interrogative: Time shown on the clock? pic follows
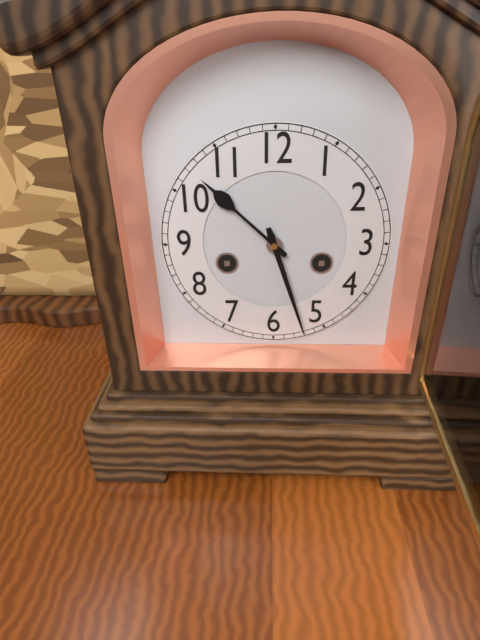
10:27
